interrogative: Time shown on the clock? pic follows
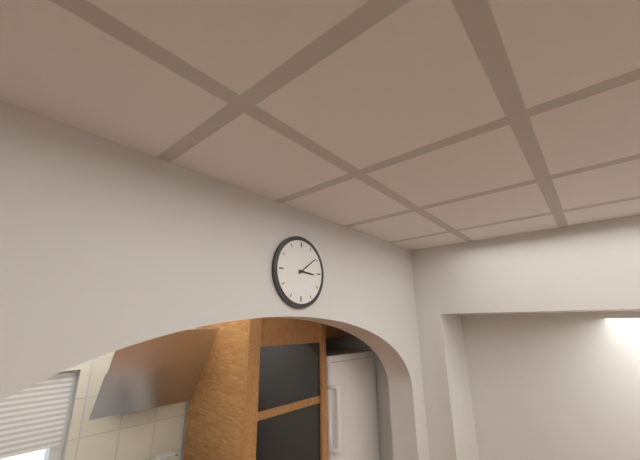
3:09
